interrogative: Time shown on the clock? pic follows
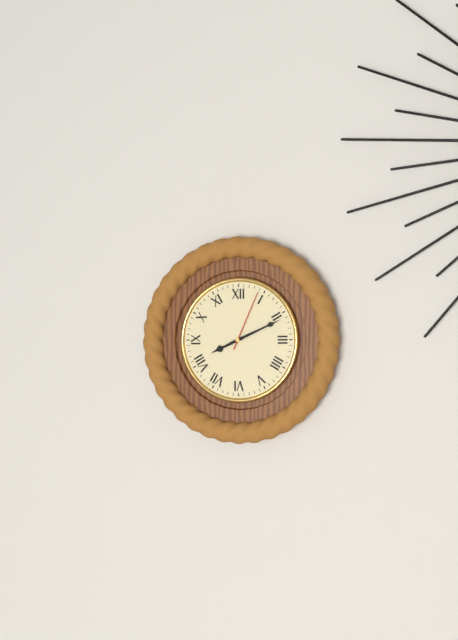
8:11:04
